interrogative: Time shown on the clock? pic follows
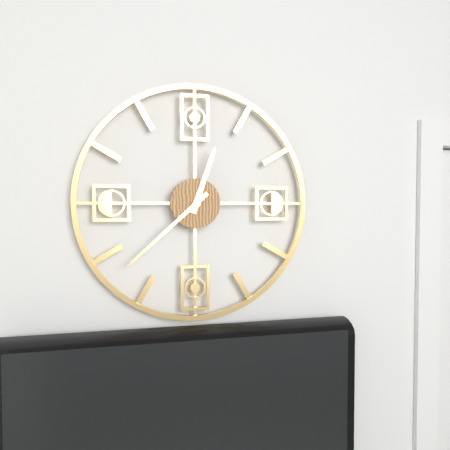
12:38
